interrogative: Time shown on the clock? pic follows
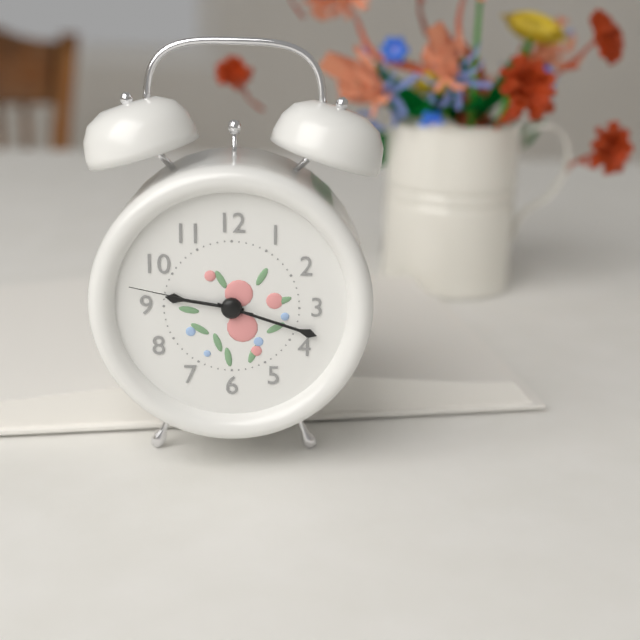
9:18:47
